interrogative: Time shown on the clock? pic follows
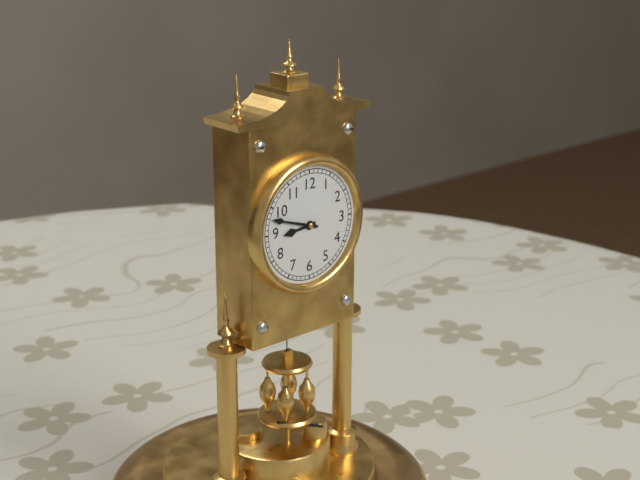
8:48
